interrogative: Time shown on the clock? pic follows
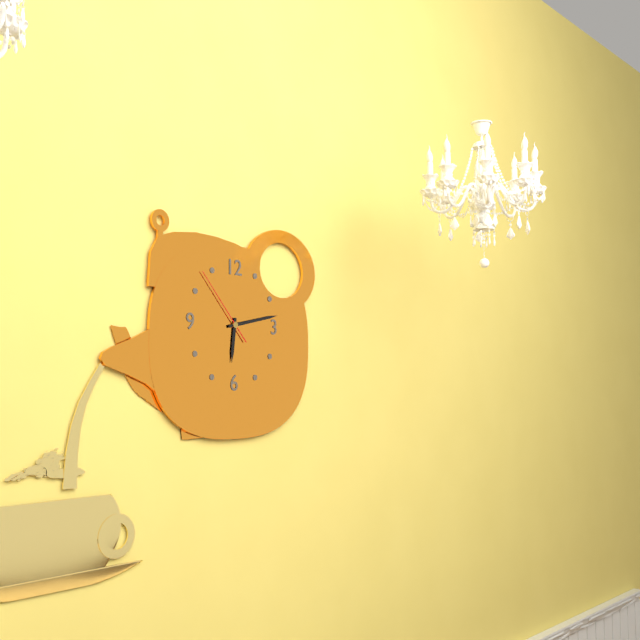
6:13:53
